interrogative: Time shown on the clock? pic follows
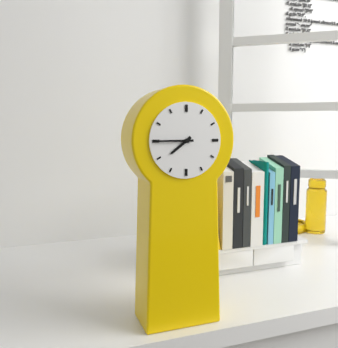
7:45
